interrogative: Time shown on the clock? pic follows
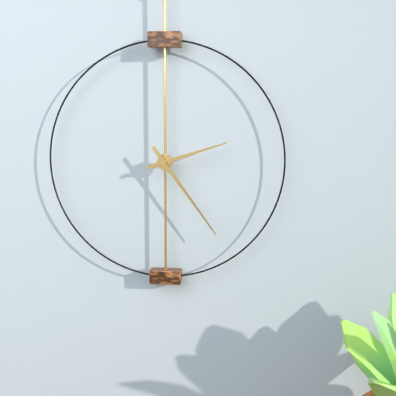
2:24
